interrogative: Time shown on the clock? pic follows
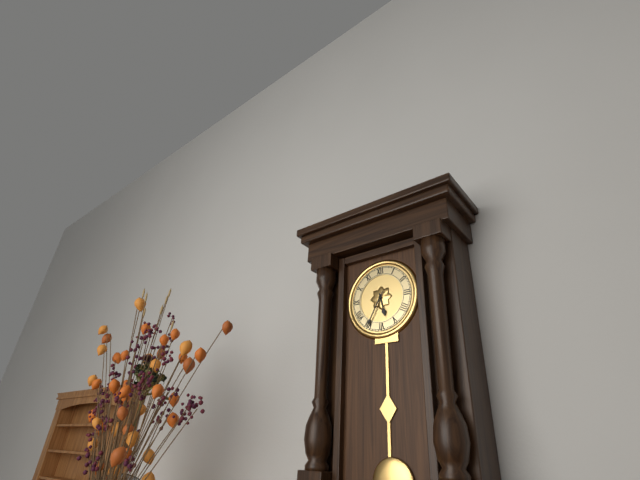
5:35
